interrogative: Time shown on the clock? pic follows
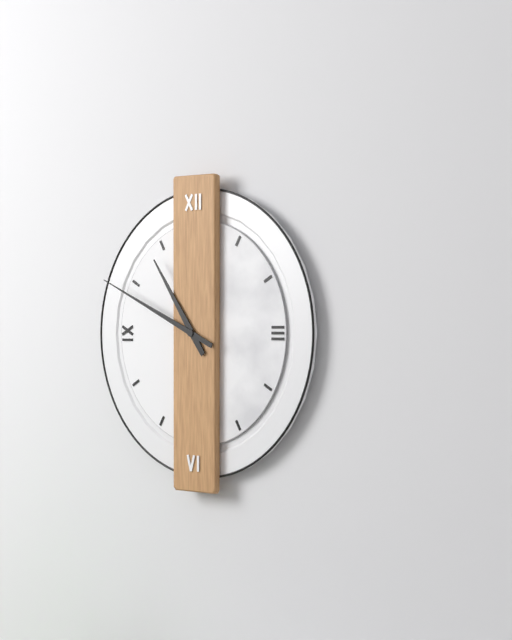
10:49
